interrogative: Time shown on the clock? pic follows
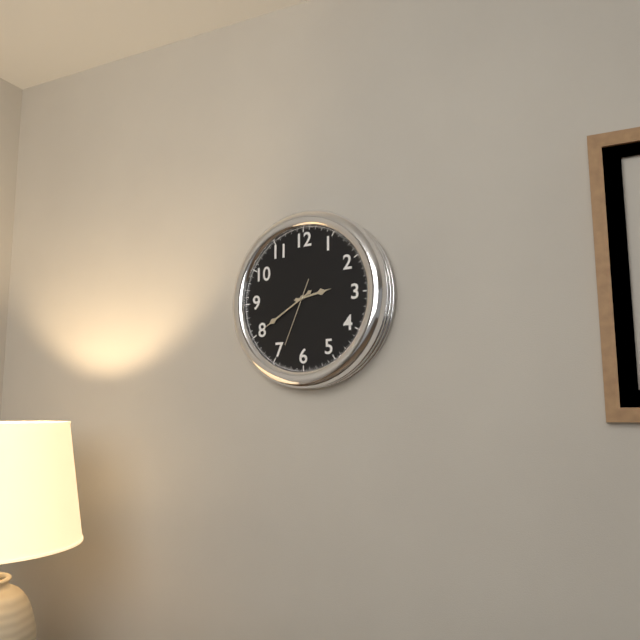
2:40:34
